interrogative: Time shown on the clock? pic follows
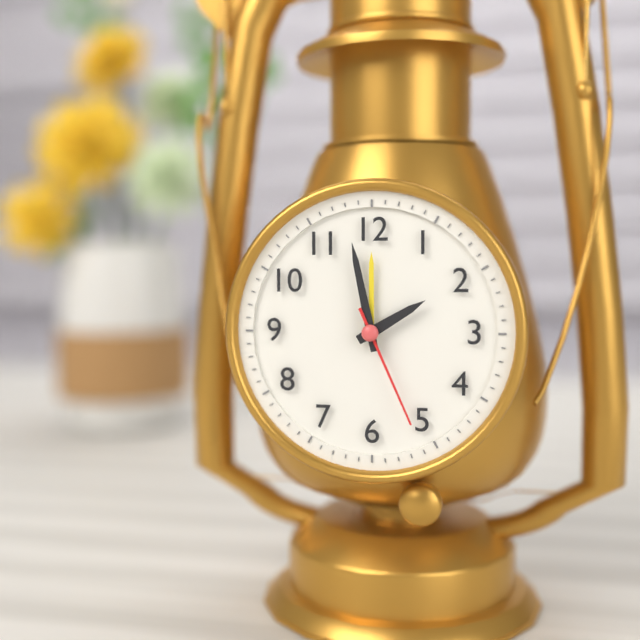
1:58:26
